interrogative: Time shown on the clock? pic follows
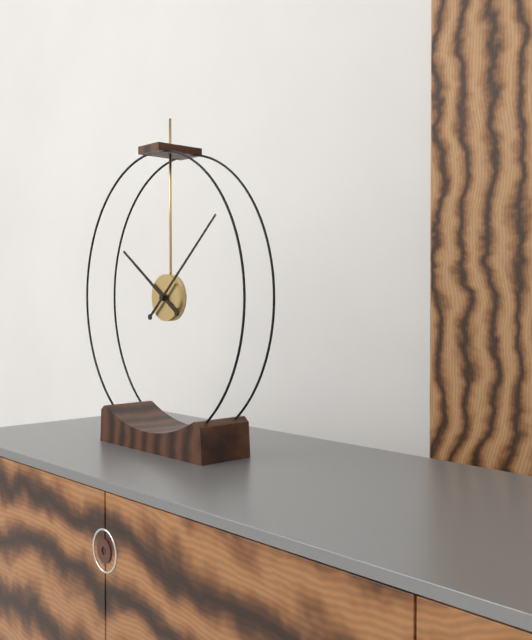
10:08
